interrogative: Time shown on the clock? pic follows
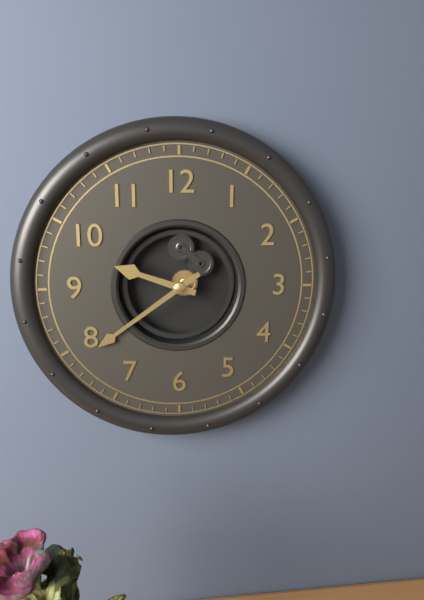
9:39
